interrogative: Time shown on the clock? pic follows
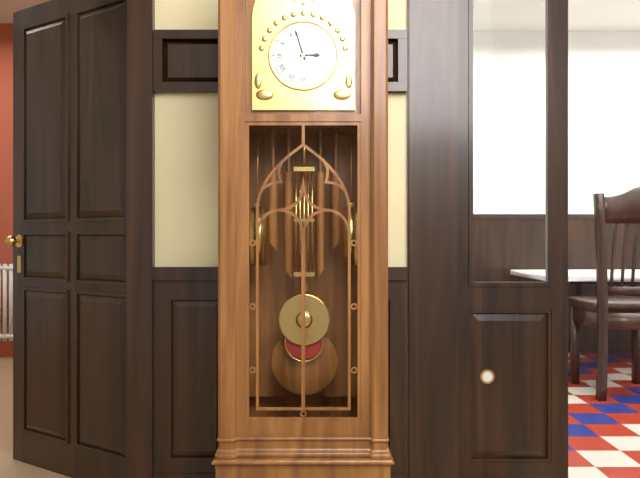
2:57
